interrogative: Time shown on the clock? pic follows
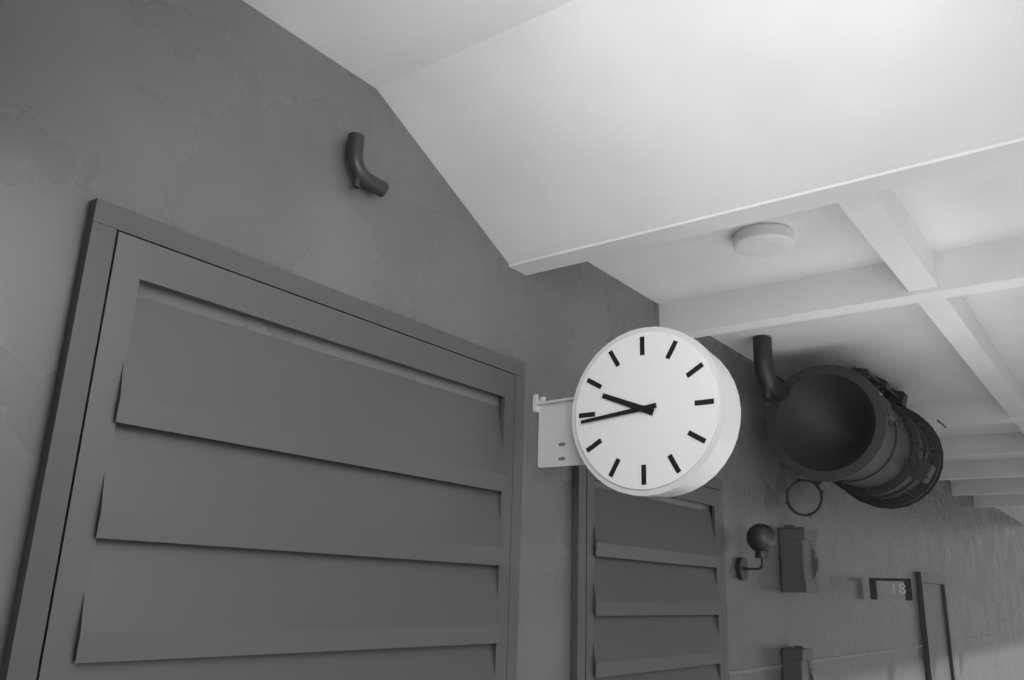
9:44
